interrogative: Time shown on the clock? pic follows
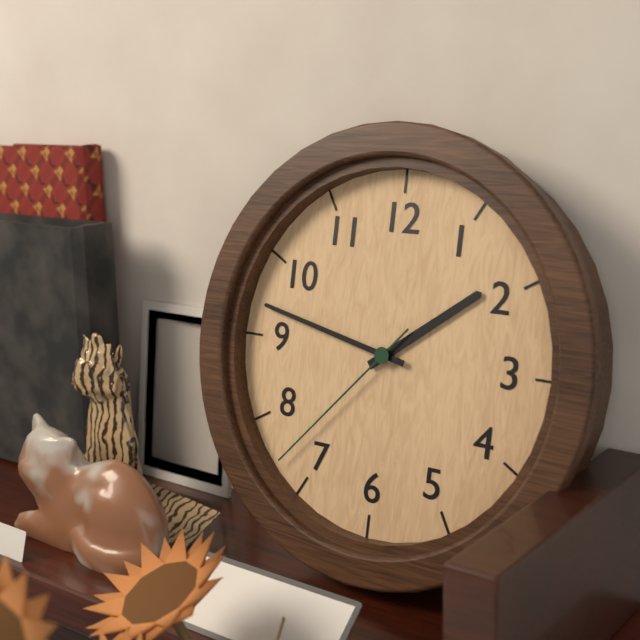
1:47:37
